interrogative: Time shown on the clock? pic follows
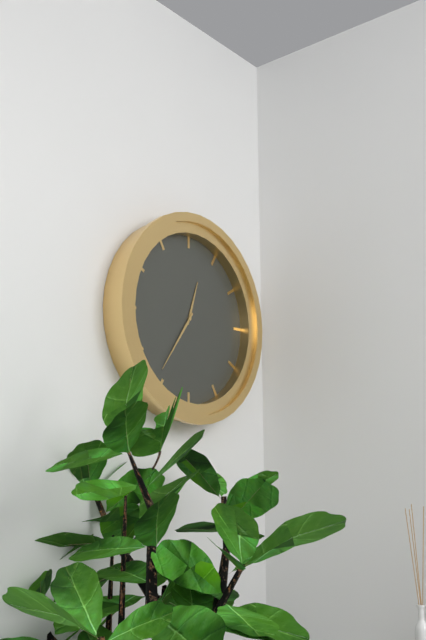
12:36
